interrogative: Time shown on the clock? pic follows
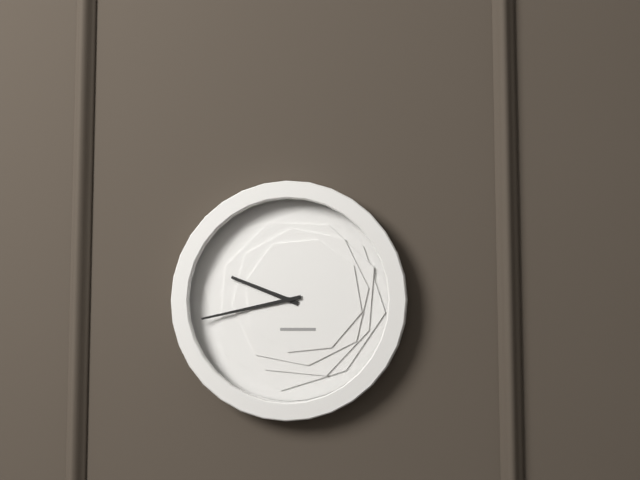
9:43
